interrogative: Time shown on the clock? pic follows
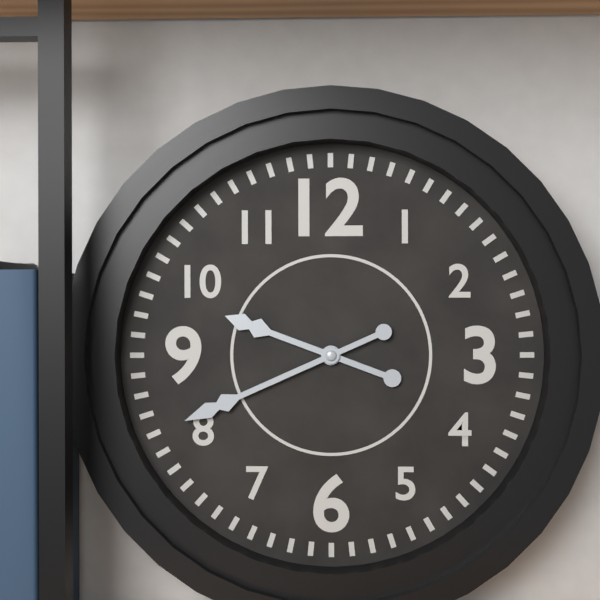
9:41
